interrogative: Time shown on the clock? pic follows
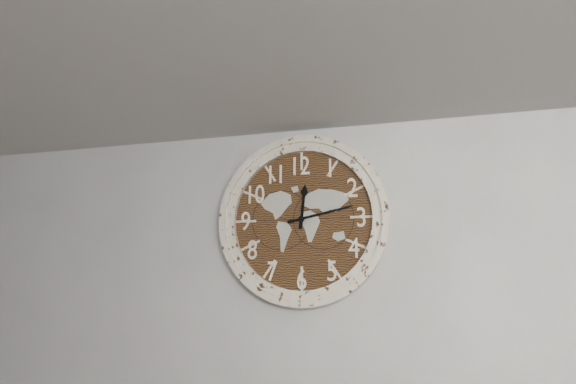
12:13
